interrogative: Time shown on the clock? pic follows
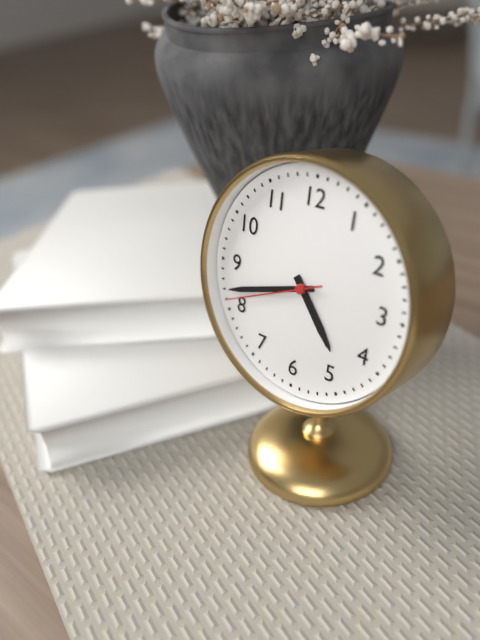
4:42:41
